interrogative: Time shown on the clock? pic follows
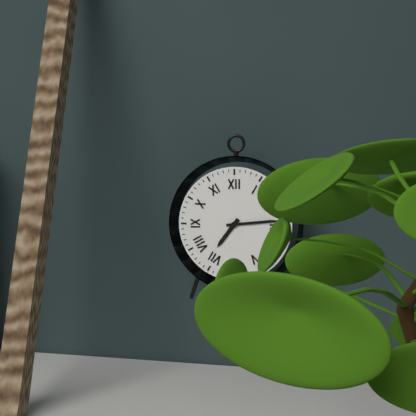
7:14
